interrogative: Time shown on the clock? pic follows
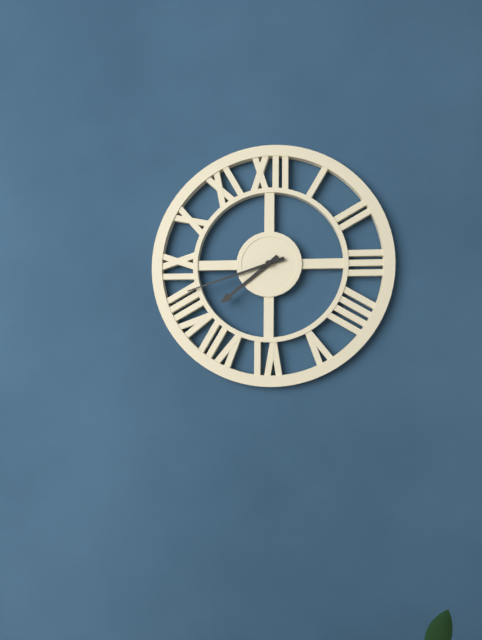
7:42
